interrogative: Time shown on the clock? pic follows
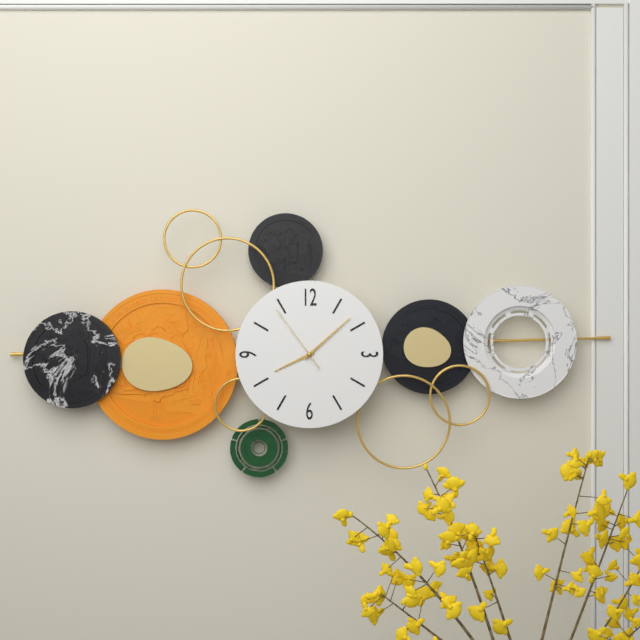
8:08:54
